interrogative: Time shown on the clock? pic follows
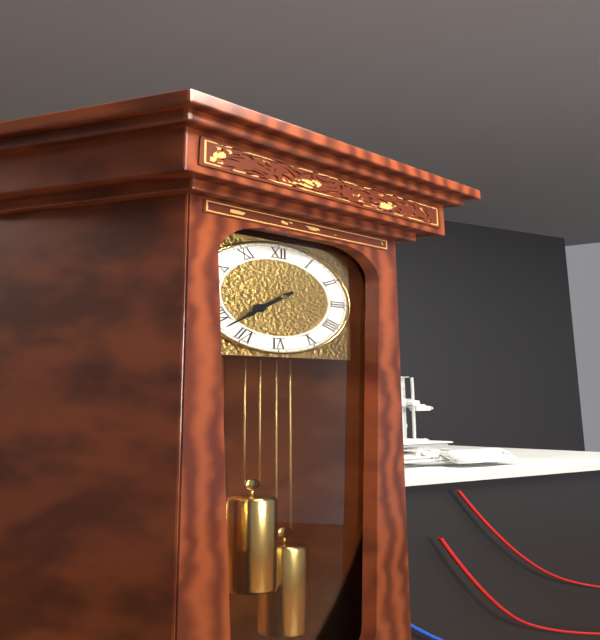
7:38
